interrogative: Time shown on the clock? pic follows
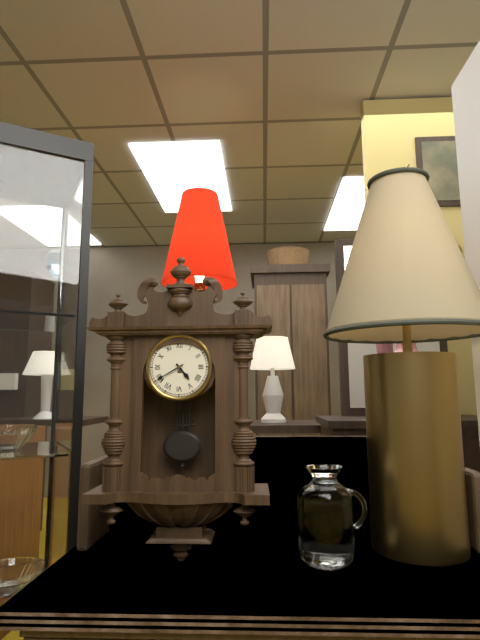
4:40
